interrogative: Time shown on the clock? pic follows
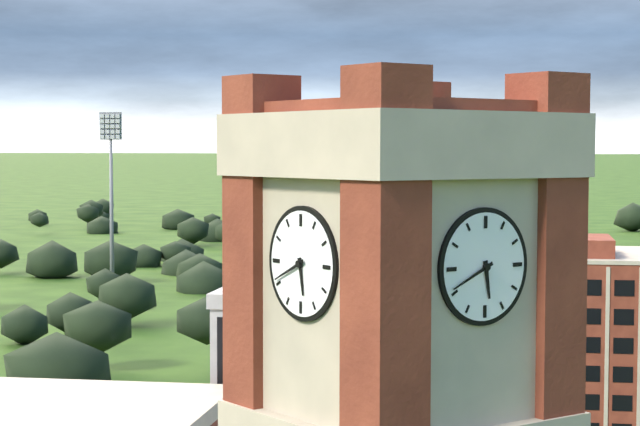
5:41
